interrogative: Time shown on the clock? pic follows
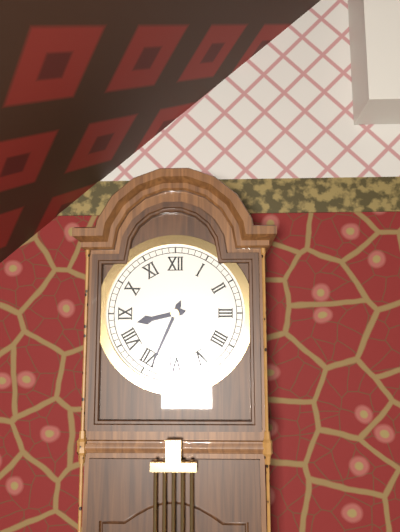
8:34
